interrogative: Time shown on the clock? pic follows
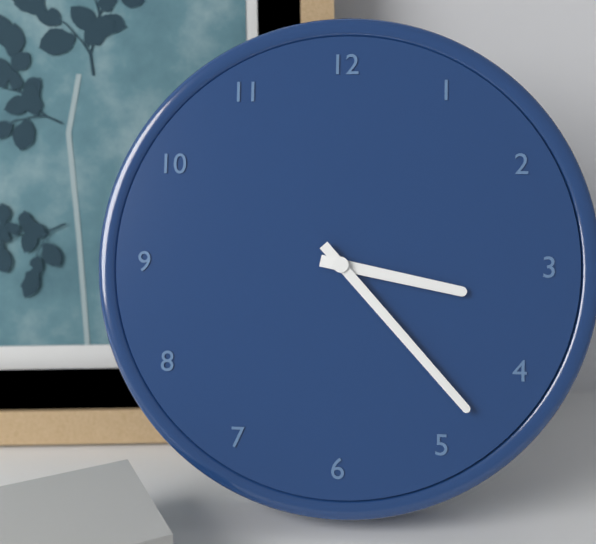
3:23
